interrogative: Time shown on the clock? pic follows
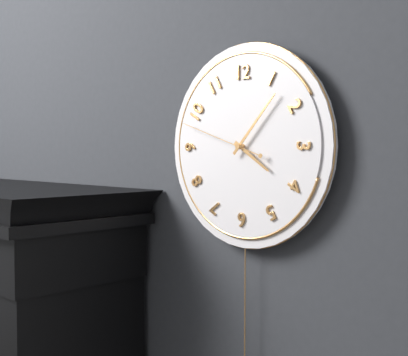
4:07:48
